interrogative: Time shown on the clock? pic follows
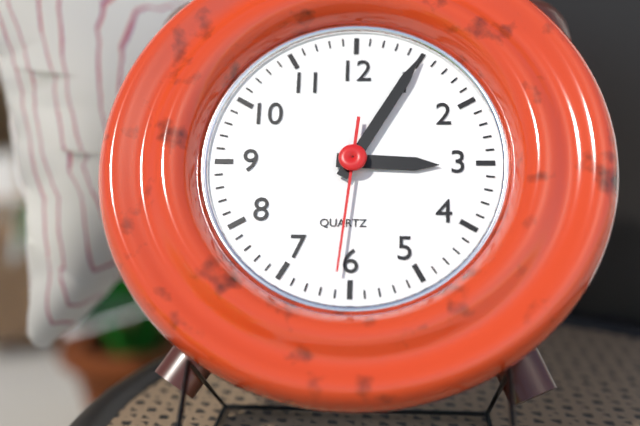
3:05:31
